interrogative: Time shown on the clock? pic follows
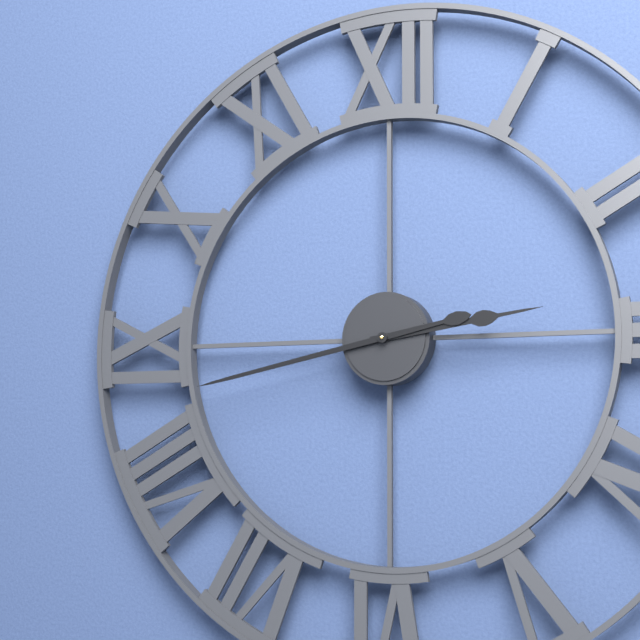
2:43
